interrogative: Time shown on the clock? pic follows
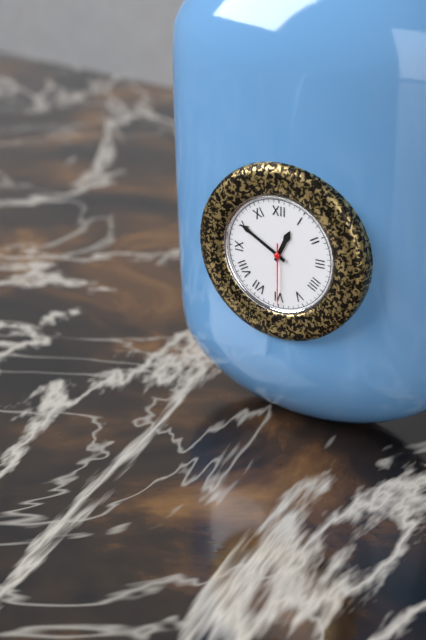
12:50:30
